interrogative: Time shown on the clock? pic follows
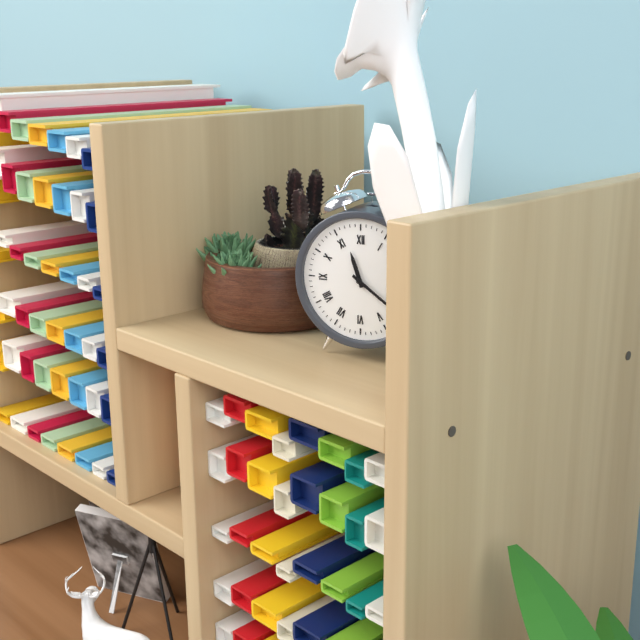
11:21
